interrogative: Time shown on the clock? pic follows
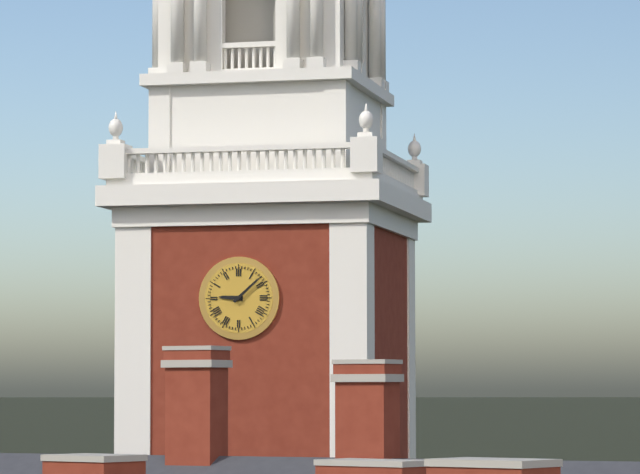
9:08
